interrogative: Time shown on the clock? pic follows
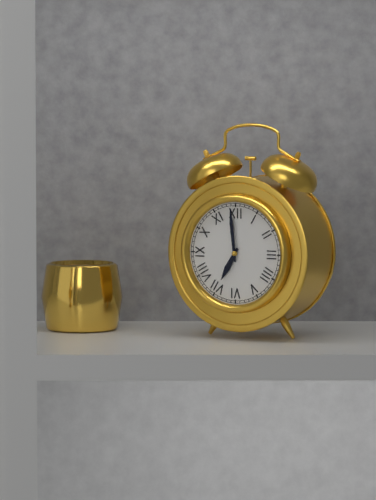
6:59
